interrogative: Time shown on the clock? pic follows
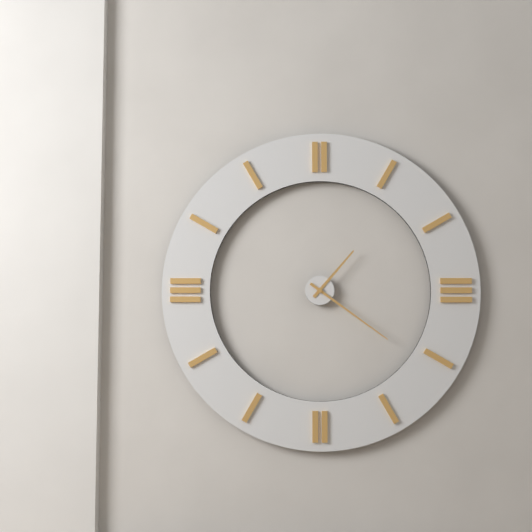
1:21
